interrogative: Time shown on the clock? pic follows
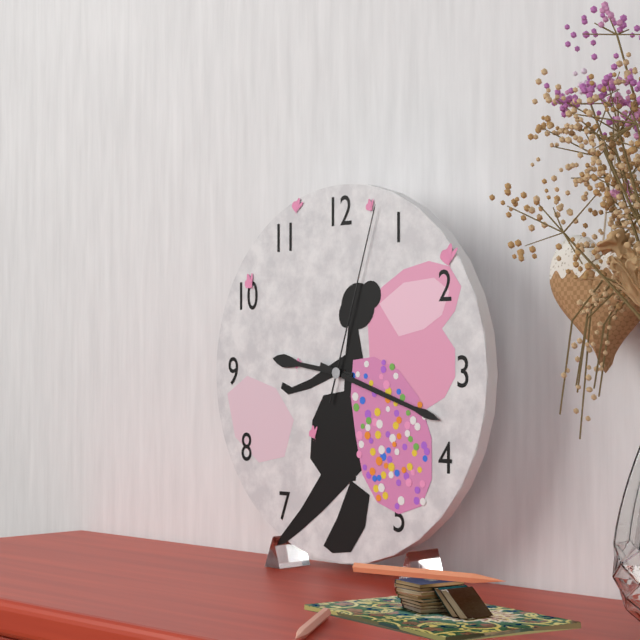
9:18:03
